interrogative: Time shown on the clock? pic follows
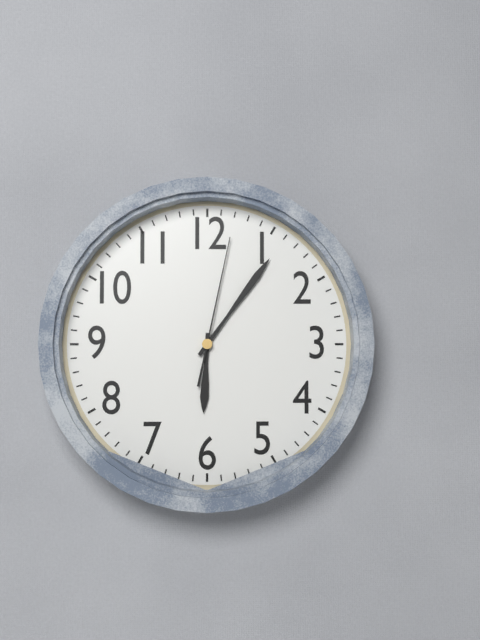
6:06:02
